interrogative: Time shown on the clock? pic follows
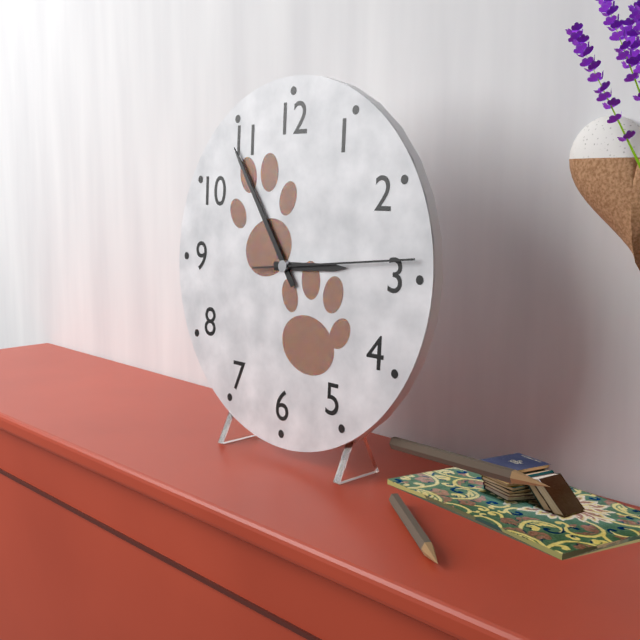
2:54:14
